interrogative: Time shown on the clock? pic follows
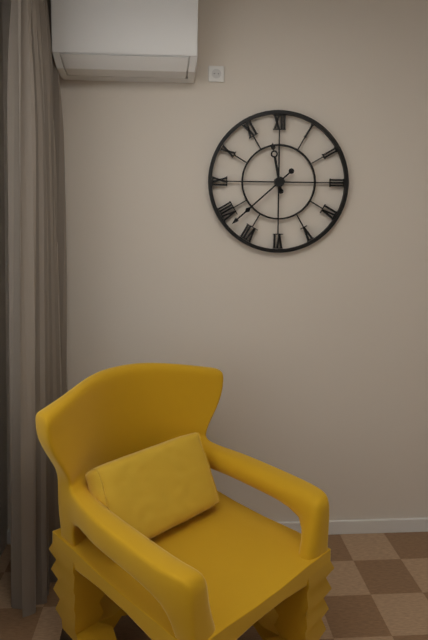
11:38
